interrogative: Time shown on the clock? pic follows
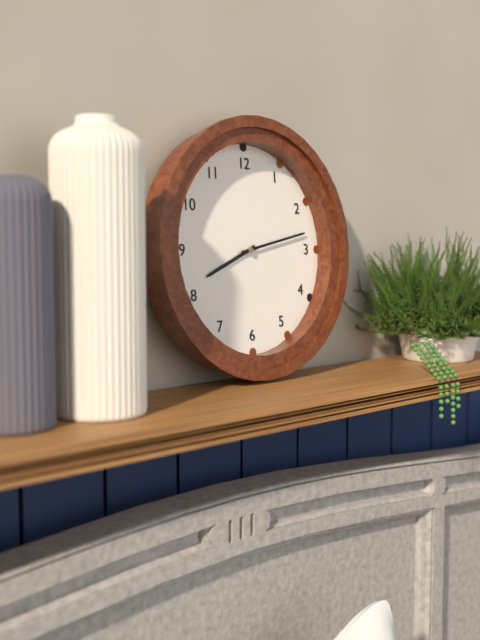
8:13
